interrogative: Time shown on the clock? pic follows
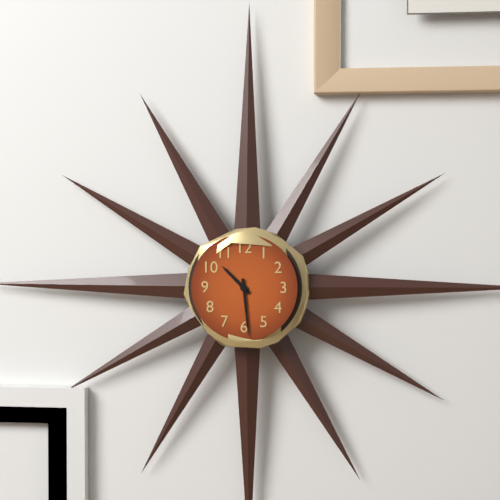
10:29
